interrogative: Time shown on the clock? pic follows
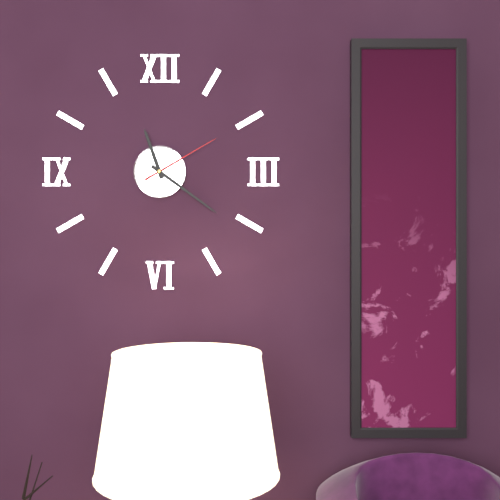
11:21:10
